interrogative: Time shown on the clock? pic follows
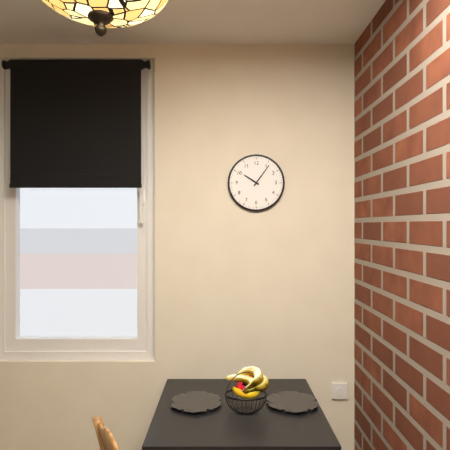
10:06
